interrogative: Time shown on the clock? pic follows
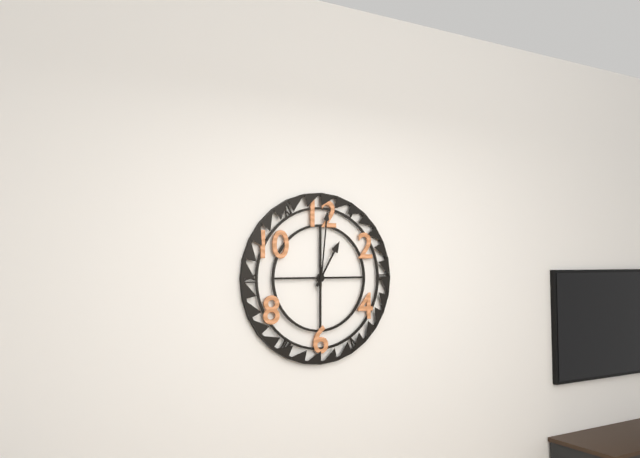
1:01
